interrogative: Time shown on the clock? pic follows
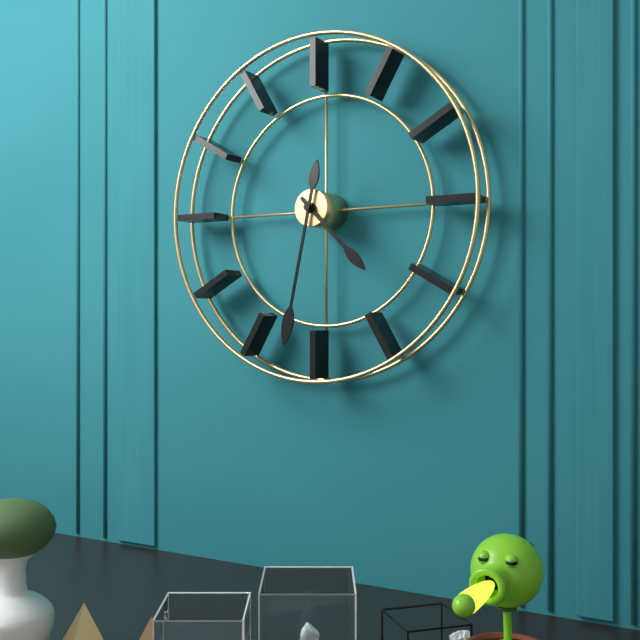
4:32
